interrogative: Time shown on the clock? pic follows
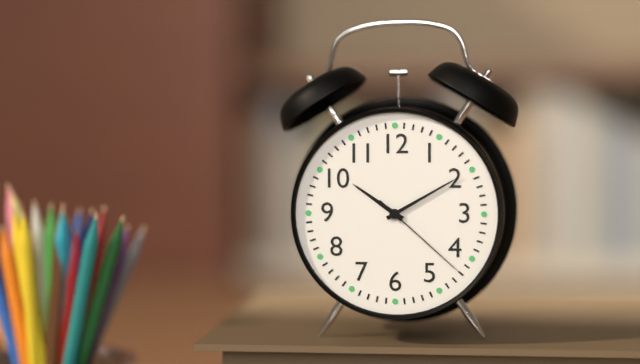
10:10:22
